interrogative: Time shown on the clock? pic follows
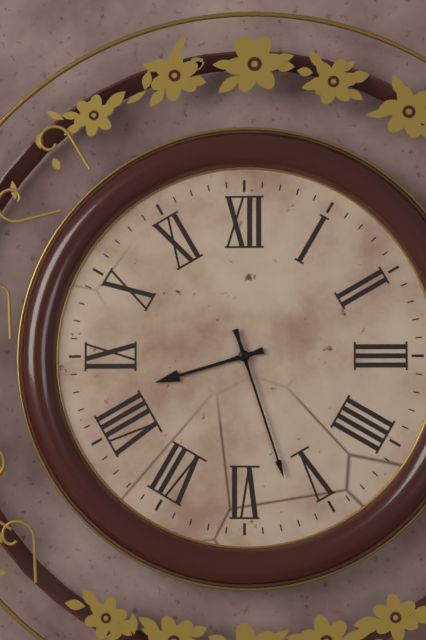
8:27
